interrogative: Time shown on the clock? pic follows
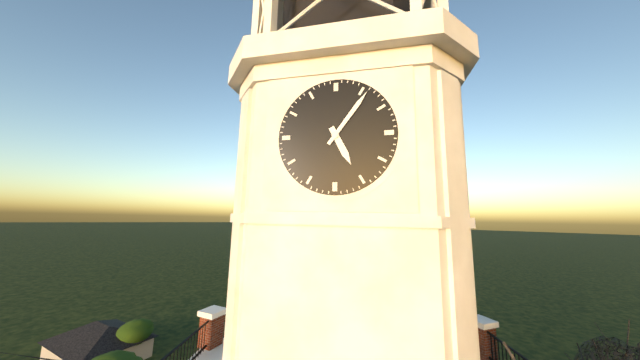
5:06
